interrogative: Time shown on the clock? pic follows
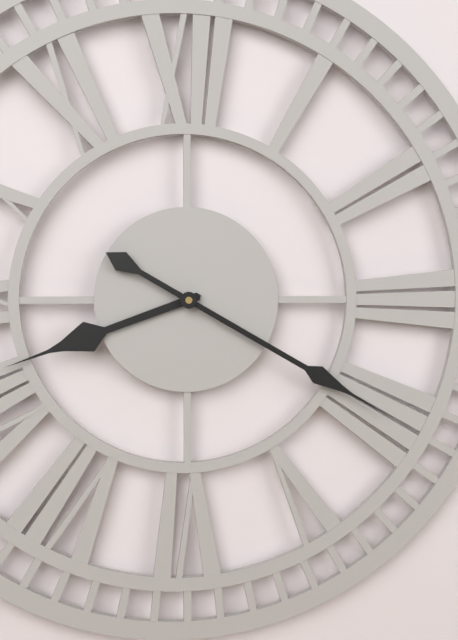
8:20
